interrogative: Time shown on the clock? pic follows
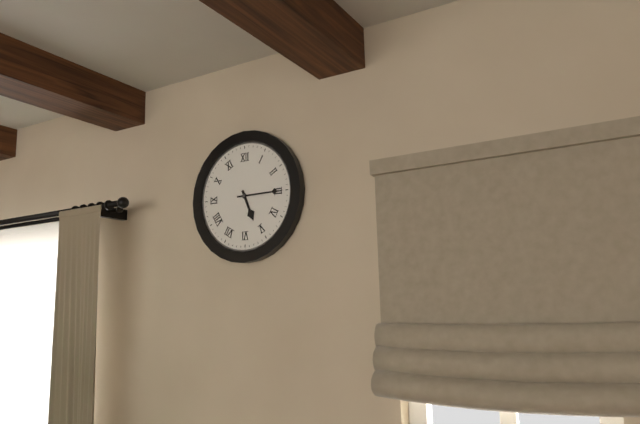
5:15
